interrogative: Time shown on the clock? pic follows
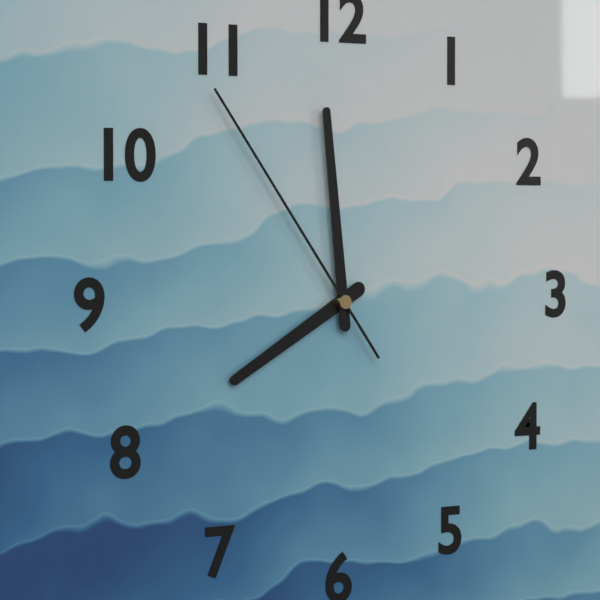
7:59:54
